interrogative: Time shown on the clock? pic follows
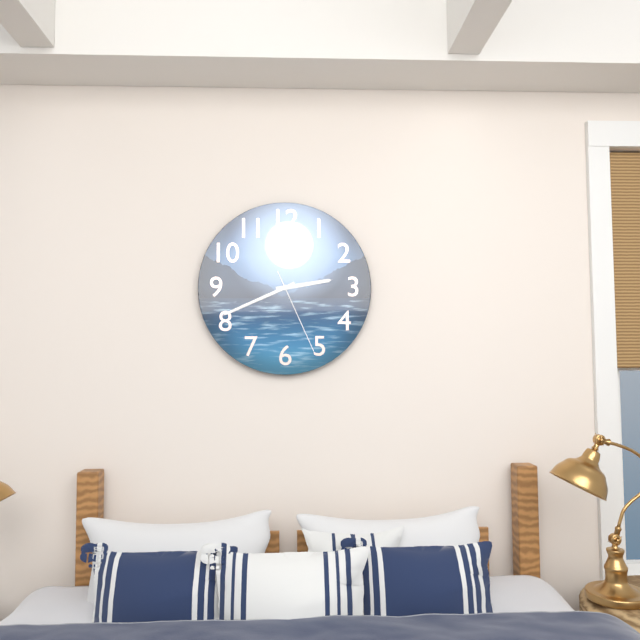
2:41:26
